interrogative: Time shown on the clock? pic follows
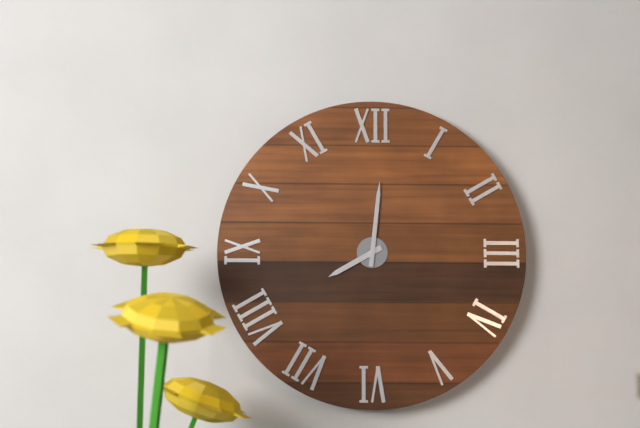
8:01
